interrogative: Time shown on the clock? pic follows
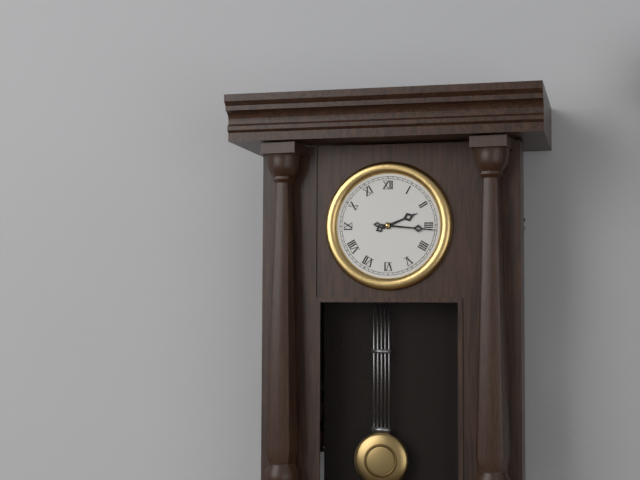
2:16
